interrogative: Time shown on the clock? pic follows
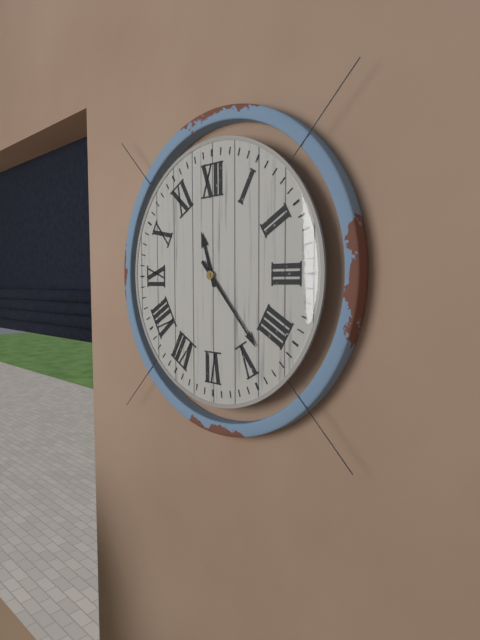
11:23
